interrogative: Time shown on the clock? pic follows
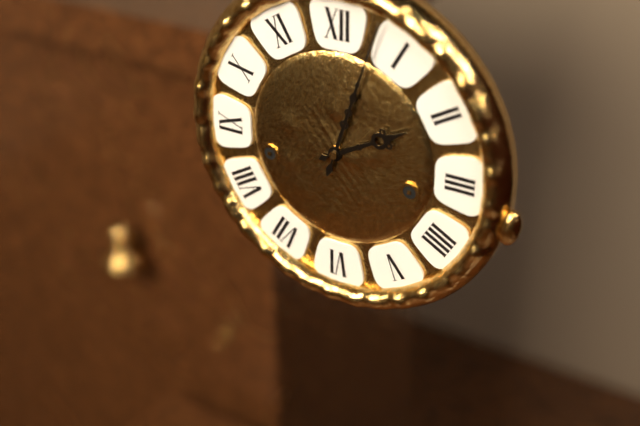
2:03
